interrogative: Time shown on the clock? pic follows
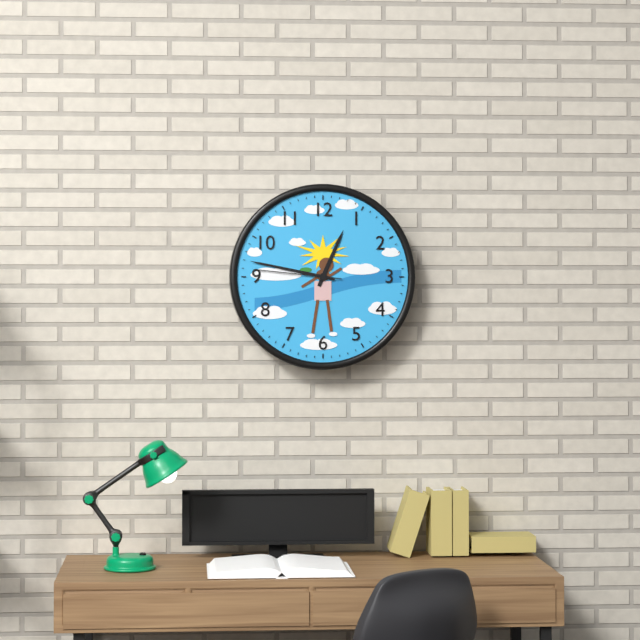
12:47:46
